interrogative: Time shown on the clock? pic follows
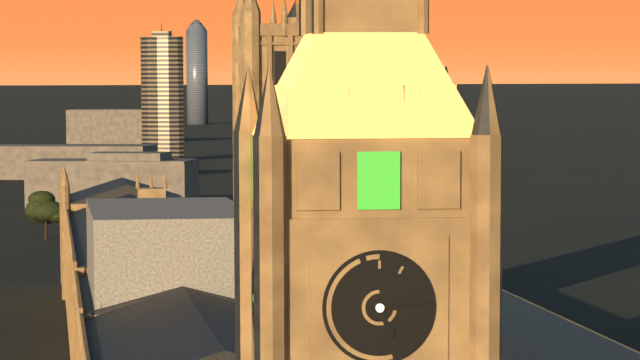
5:14
